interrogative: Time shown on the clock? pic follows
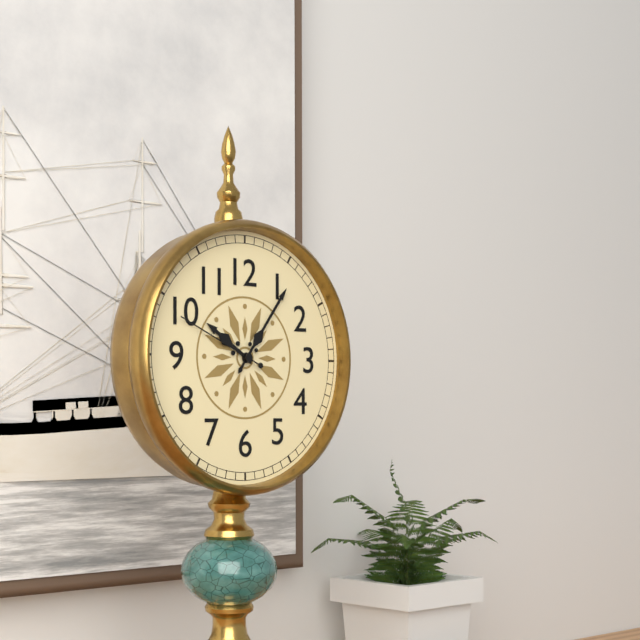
10:06:49
